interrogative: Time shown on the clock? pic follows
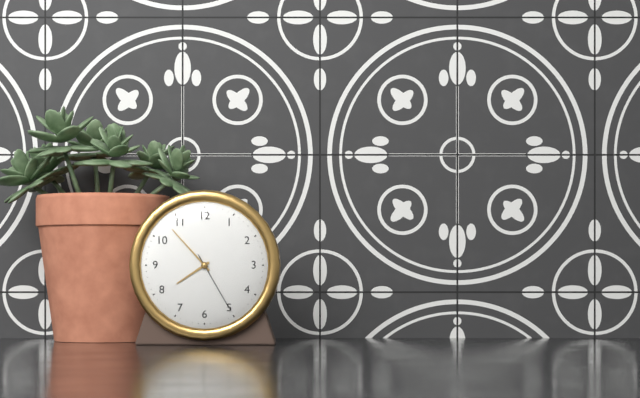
7:53:25
